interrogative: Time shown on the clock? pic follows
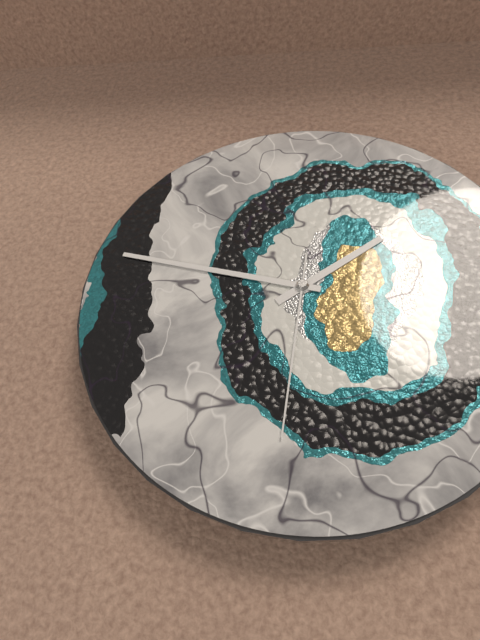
1:47:31
